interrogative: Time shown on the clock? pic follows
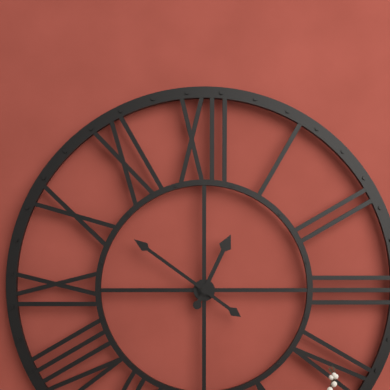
12:51
